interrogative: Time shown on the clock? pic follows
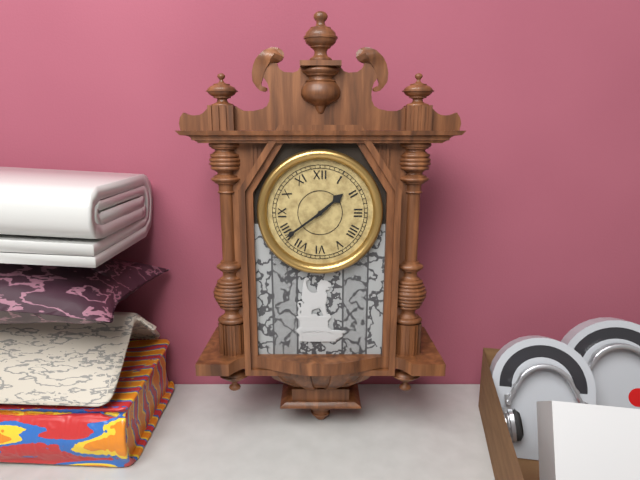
1:39
